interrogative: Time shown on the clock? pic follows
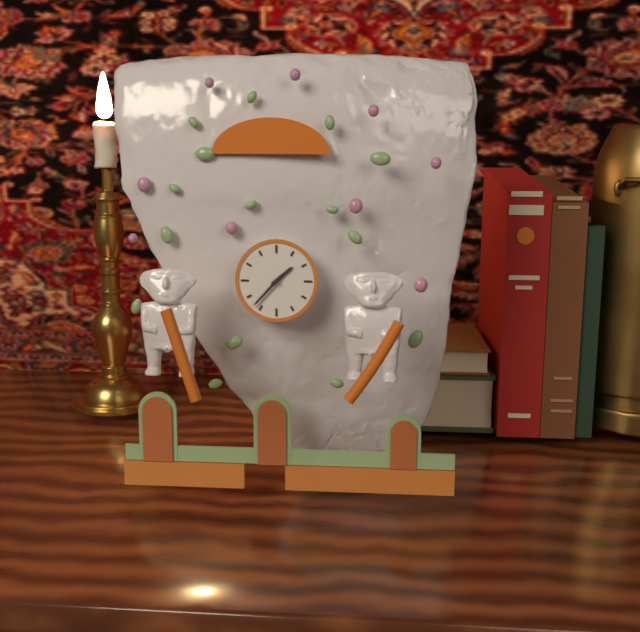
1:37
